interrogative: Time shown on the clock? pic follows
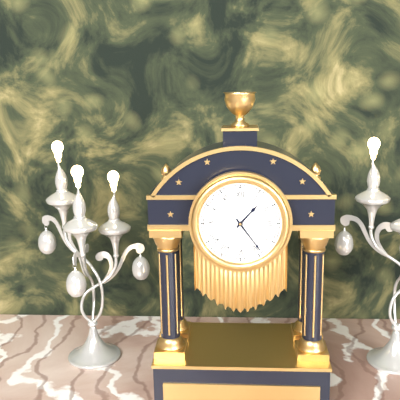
1:24
